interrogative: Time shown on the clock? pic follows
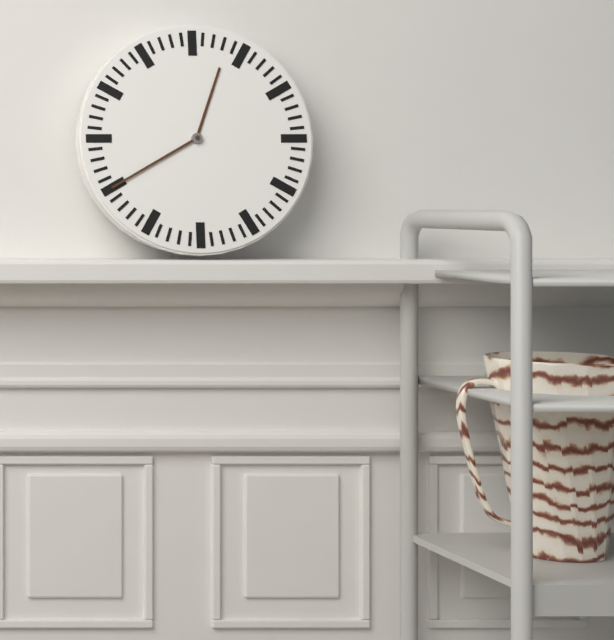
12:40
